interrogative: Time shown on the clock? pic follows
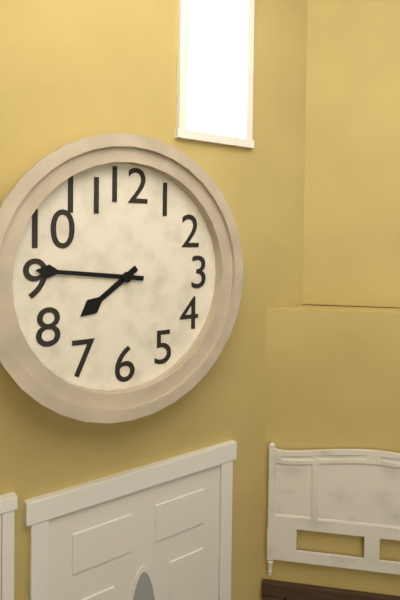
7:46
